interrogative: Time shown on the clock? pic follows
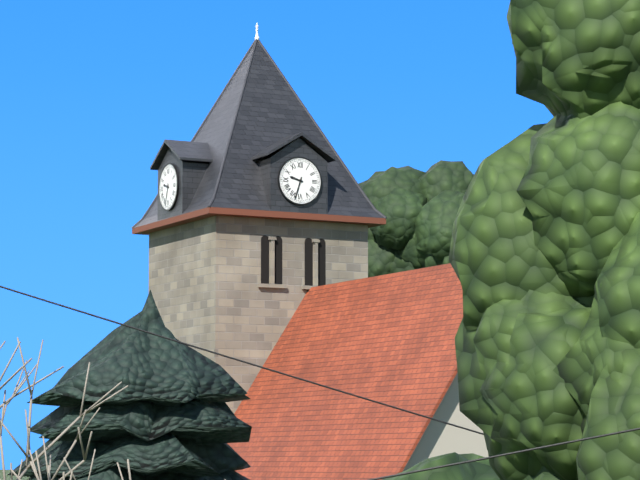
9:33
